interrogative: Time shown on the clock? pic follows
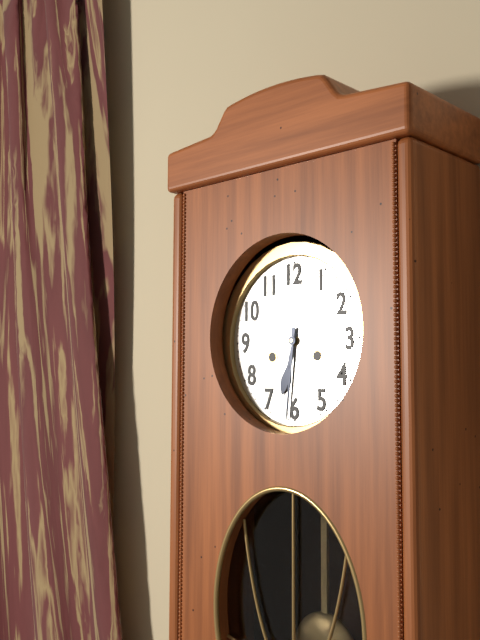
6:31
